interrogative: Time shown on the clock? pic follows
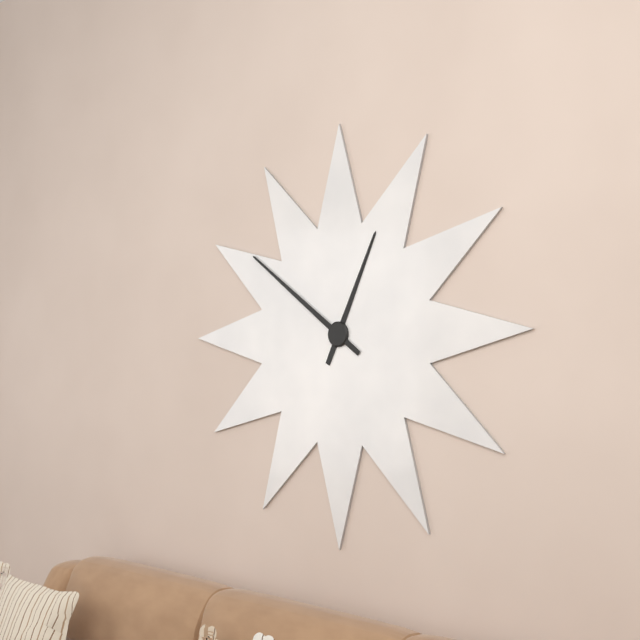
12:51
